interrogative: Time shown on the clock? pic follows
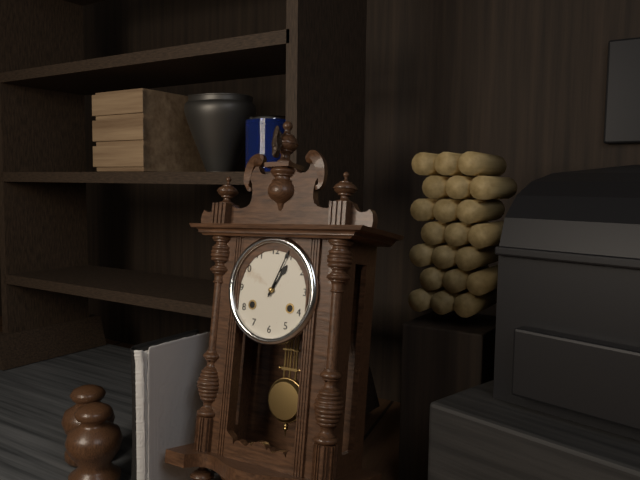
1:04
